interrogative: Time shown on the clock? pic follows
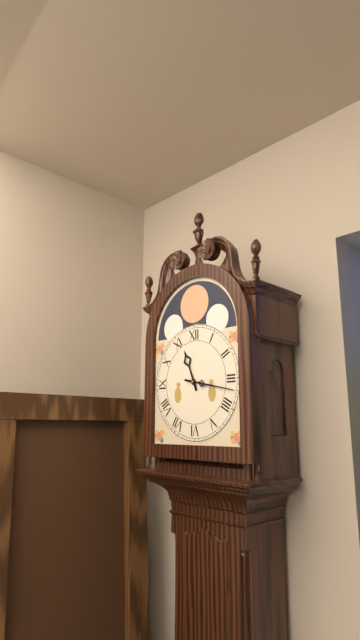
11:17
